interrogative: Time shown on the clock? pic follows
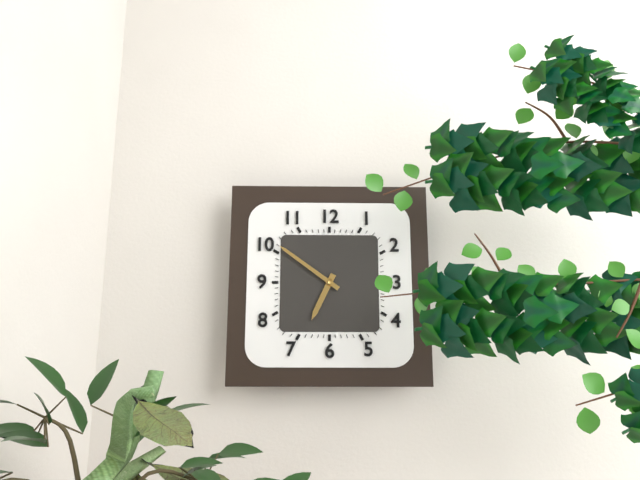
6:51
